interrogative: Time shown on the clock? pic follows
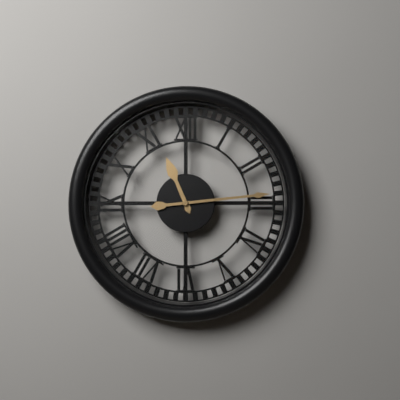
11:14
